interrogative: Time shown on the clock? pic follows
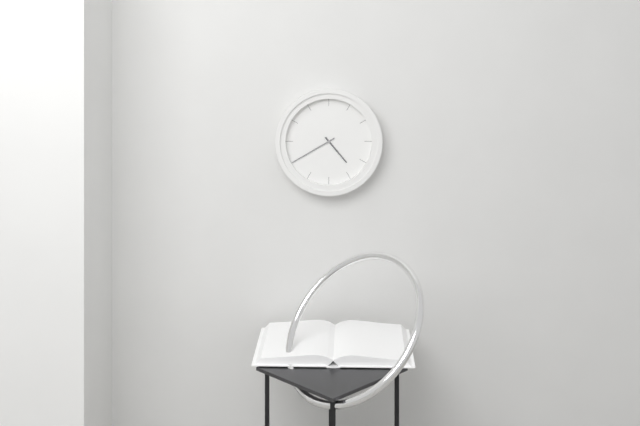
4:40
